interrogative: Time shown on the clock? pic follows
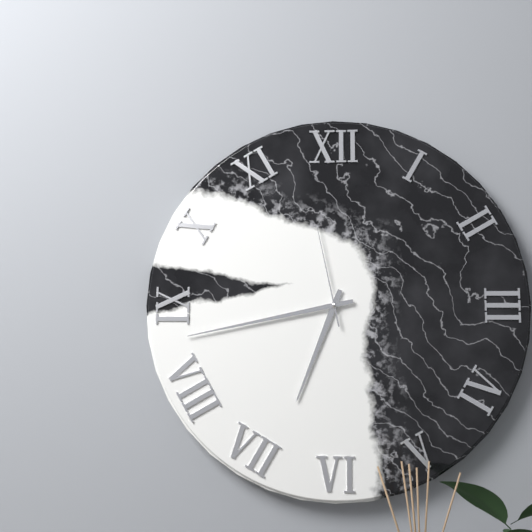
6:43:58
